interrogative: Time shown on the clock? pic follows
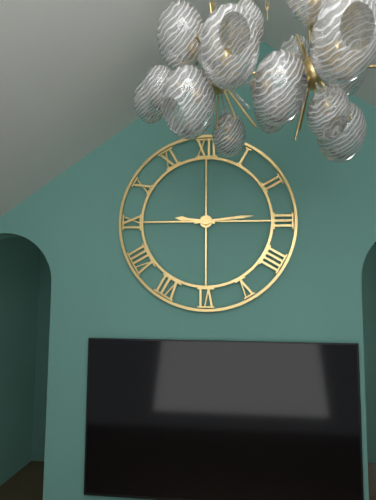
9:14
